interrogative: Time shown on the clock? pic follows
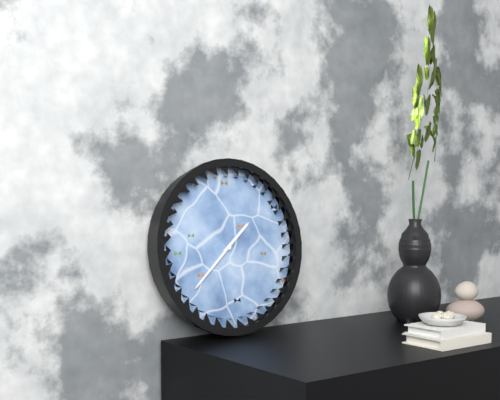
1:38
